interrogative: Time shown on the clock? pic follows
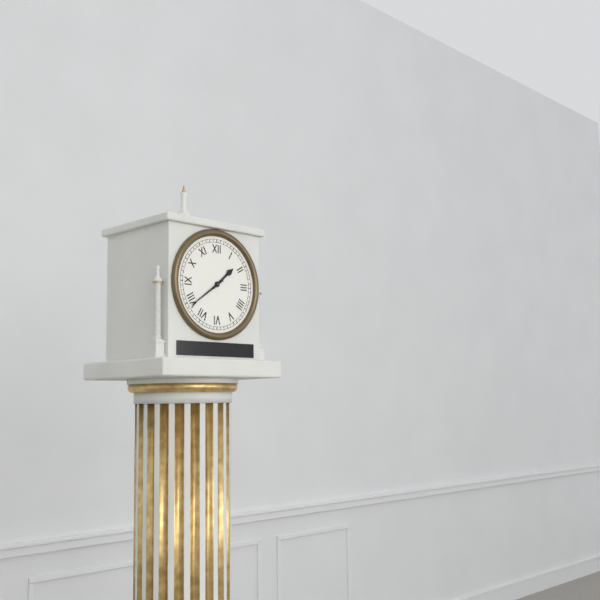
1:39
